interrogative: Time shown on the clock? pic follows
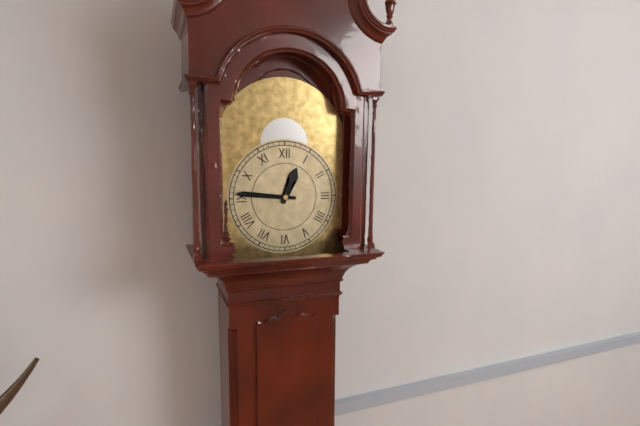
12:46
